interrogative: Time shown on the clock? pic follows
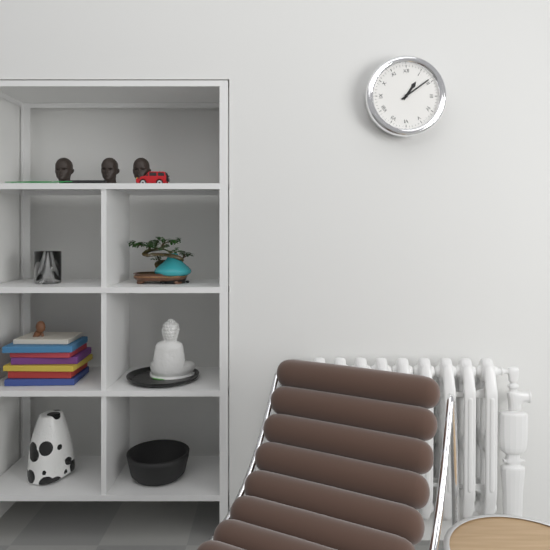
1:09
